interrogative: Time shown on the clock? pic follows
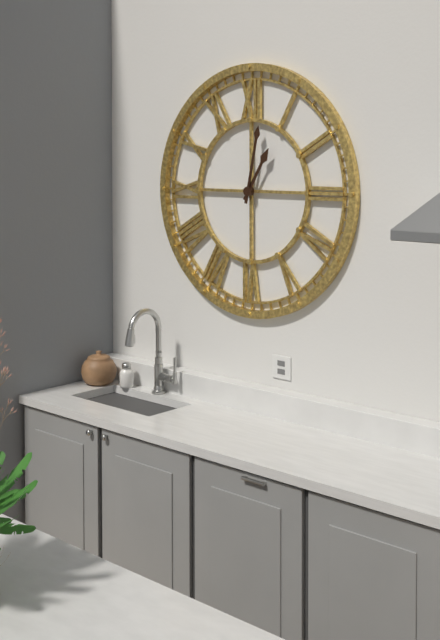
1:02
